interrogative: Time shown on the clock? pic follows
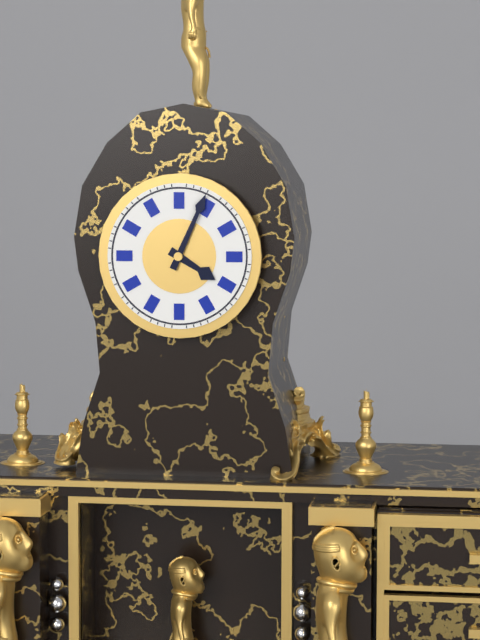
4:04
